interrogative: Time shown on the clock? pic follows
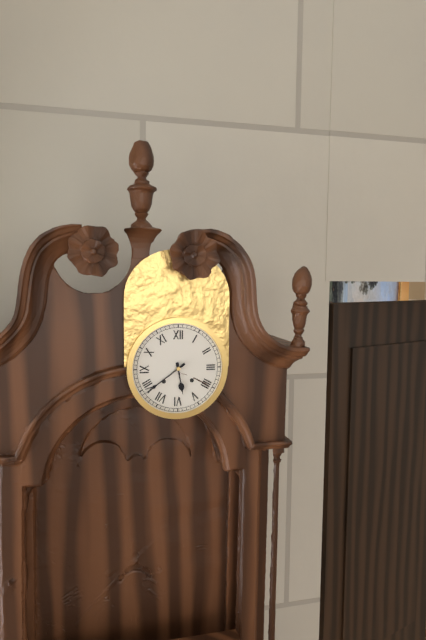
5:39
